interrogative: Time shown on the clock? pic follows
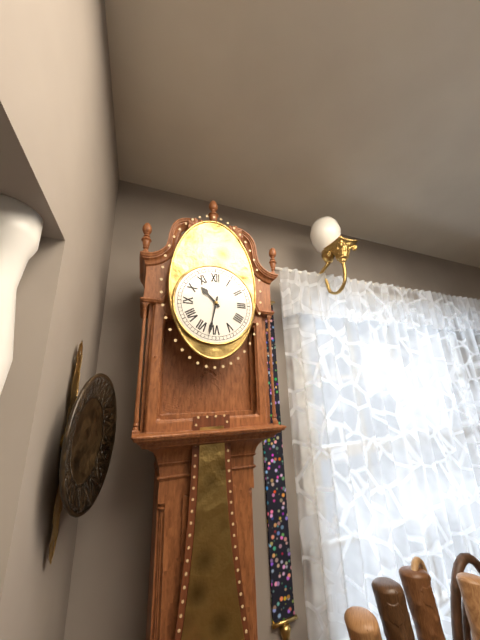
10:32
